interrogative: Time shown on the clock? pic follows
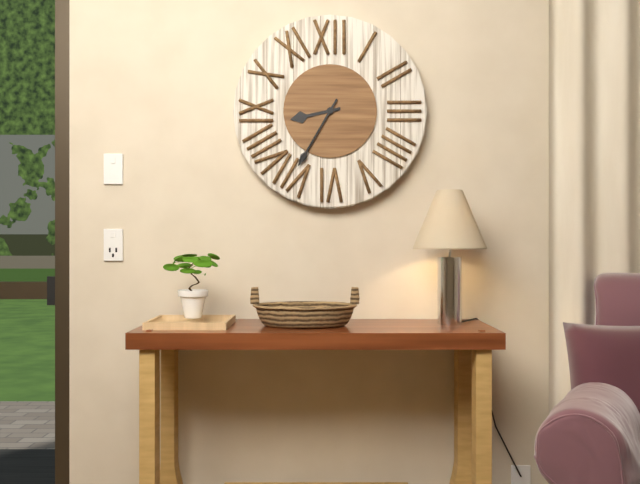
8:35
